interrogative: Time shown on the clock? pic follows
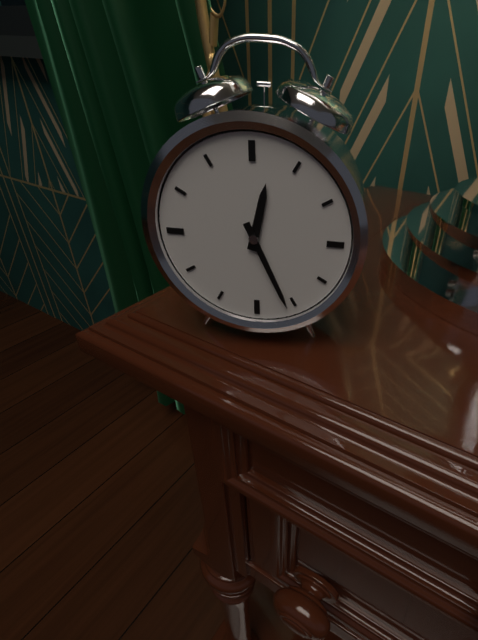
12:26
